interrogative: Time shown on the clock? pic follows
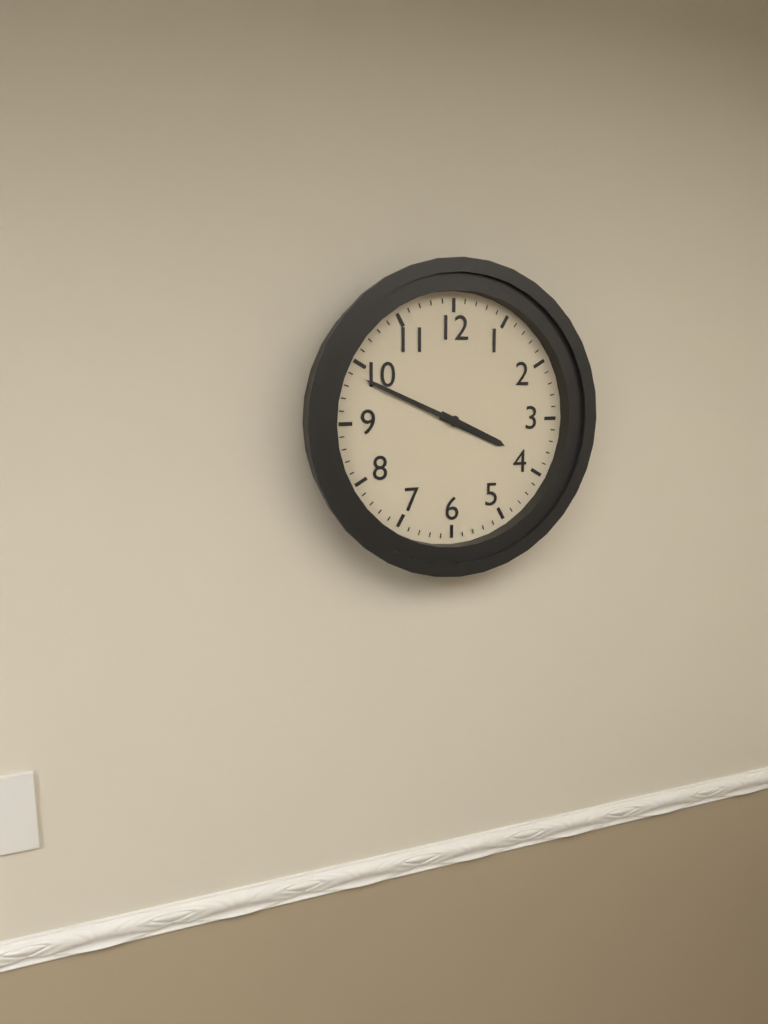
3:49
